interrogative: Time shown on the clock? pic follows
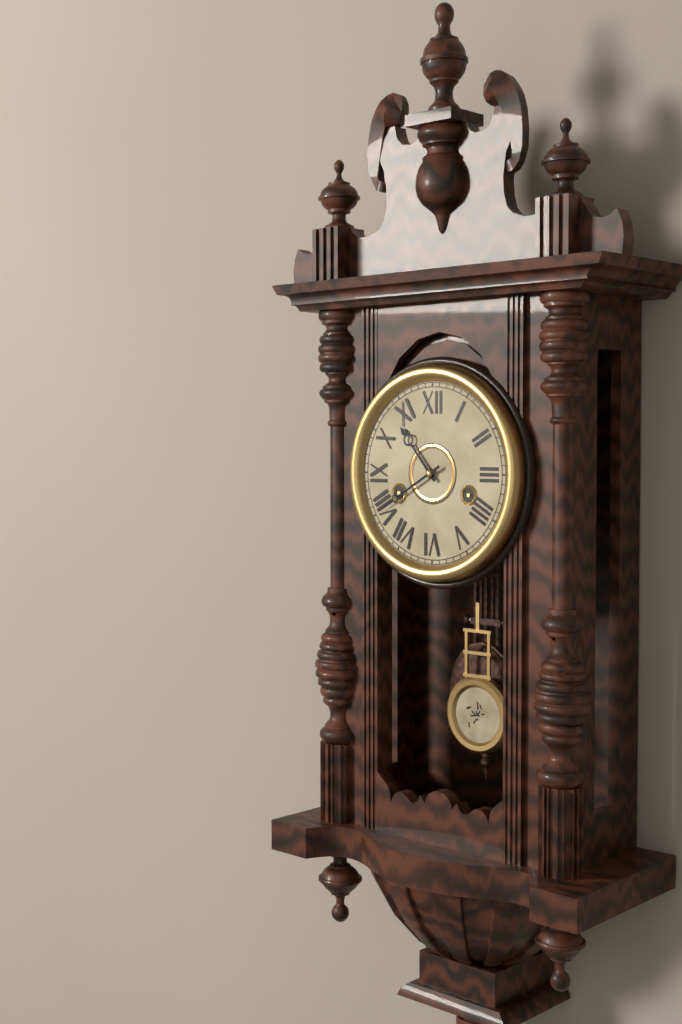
10:40
